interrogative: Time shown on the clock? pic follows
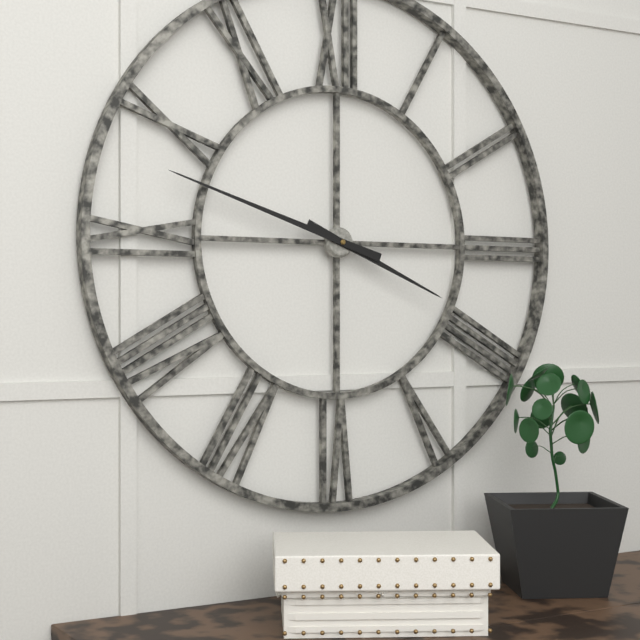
3:48
